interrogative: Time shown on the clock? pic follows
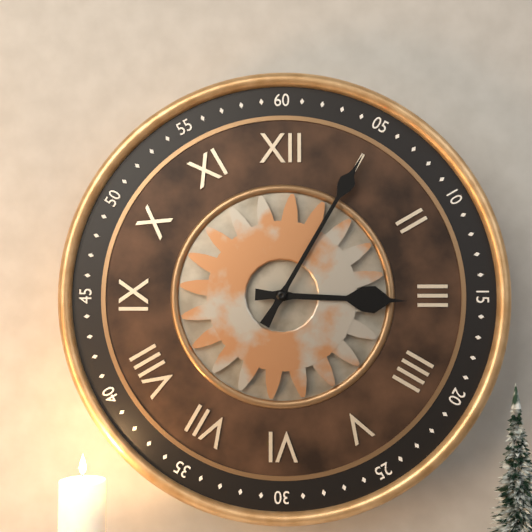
3:05
